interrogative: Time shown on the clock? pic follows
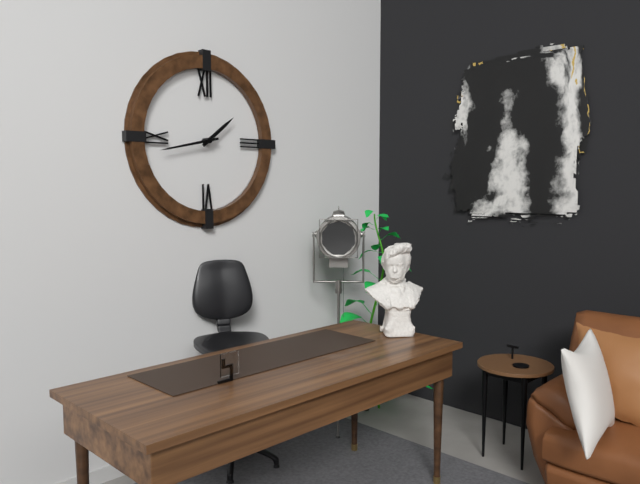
1:43
